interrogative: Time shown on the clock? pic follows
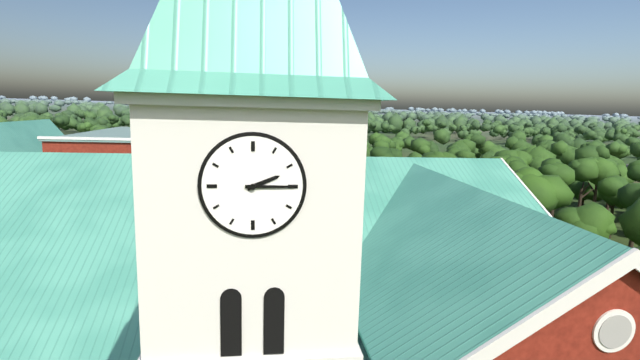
2:15
